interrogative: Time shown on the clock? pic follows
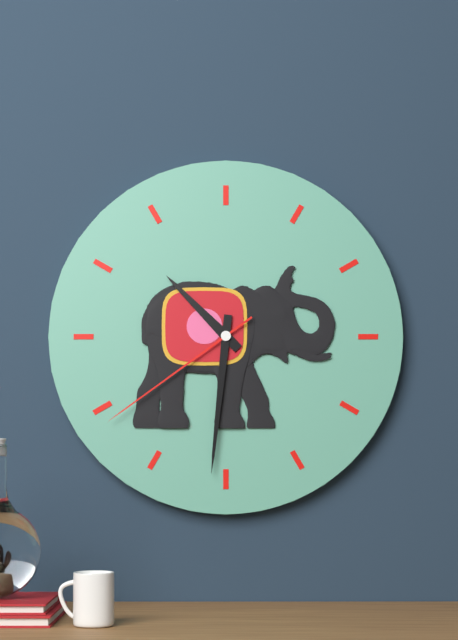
10:31:39
